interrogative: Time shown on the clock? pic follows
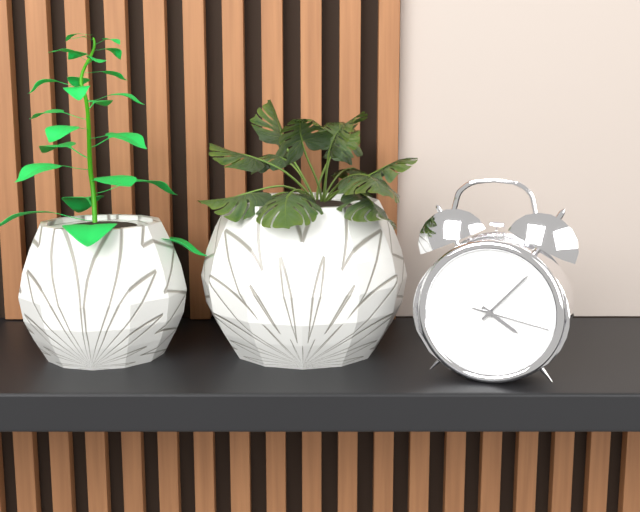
4:07:17
